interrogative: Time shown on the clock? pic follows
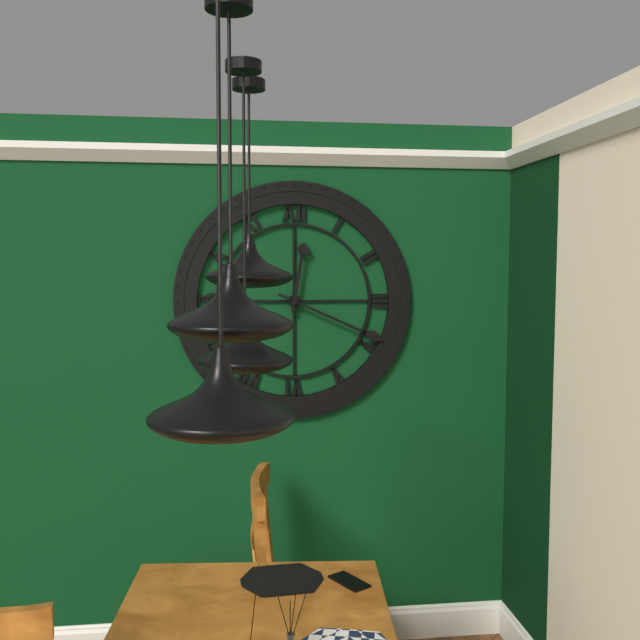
12:19
